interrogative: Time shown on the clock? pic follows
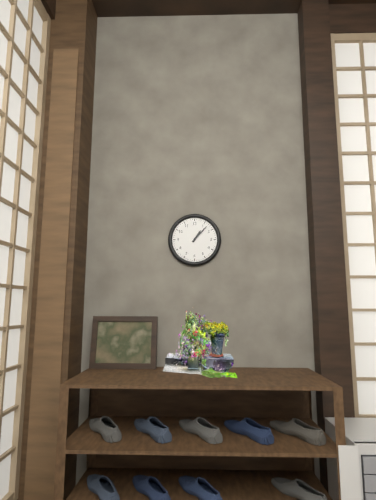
1:07
